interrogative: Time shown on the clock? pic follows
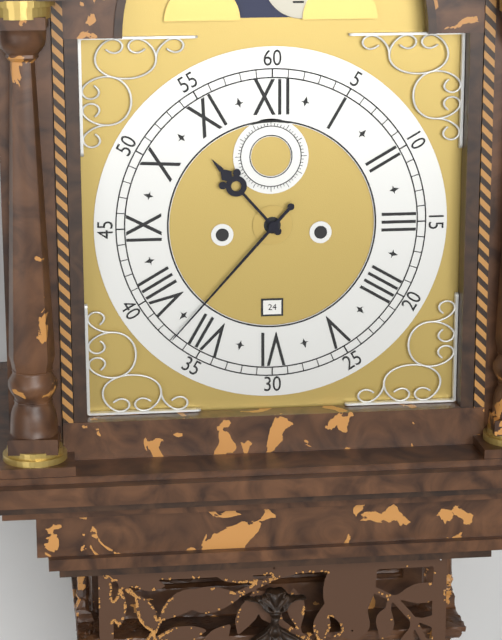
10:37
